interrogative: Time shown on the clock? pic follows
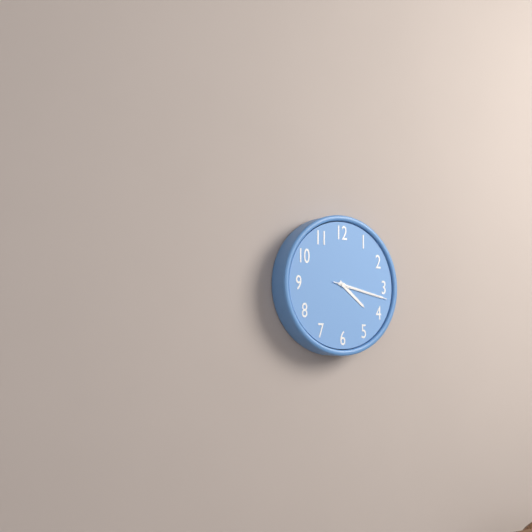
4:17:17
